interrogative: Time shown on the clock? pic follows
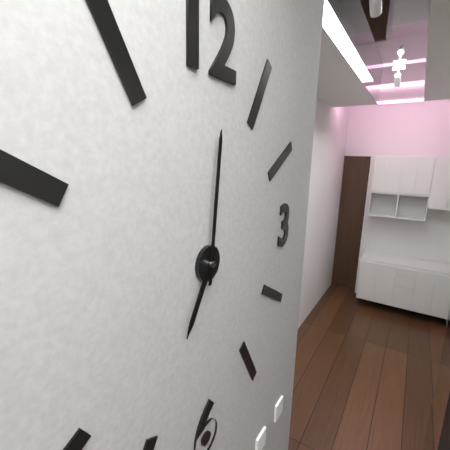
7:01
